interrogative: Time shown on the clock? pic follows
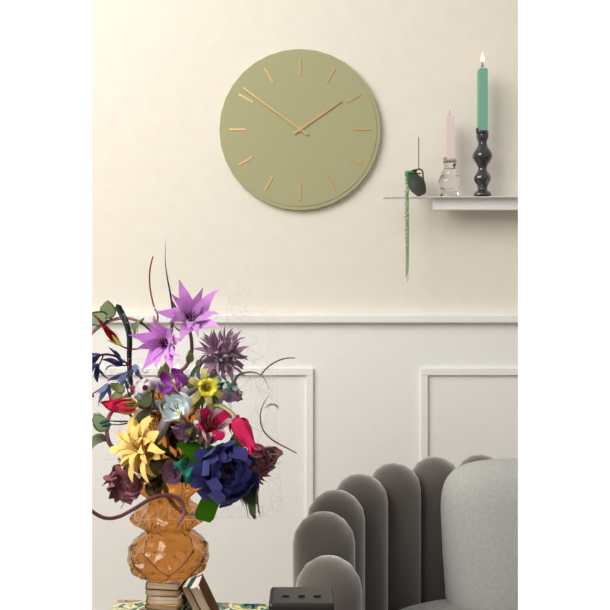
1:51
